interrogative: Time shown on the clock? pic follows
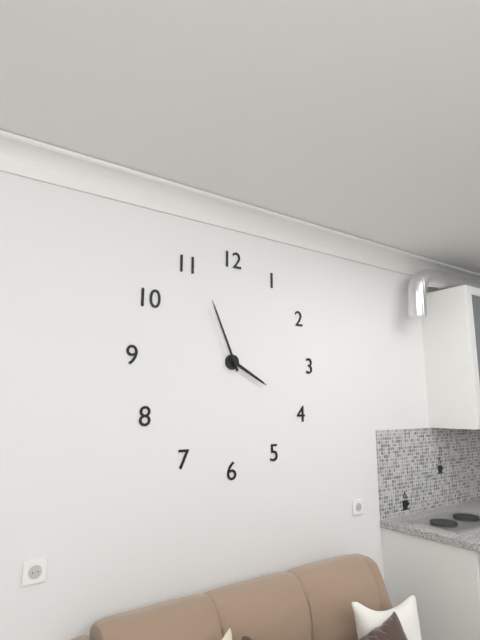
3:56
